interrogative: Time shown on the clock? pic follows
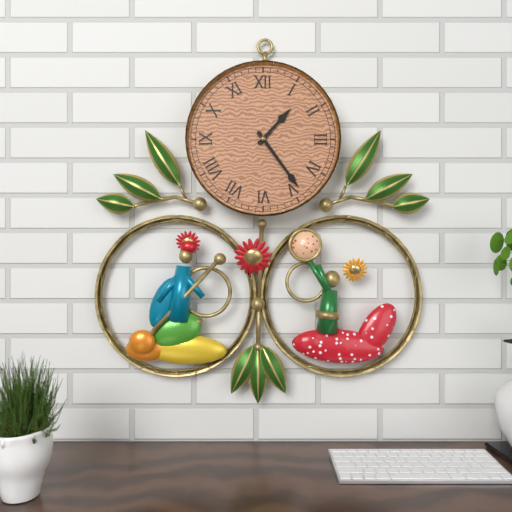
1:24
